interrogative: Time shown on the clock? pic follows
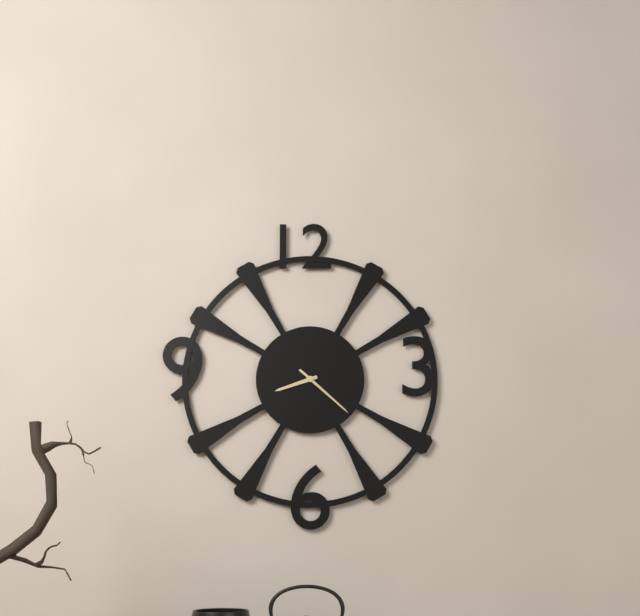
8:22
